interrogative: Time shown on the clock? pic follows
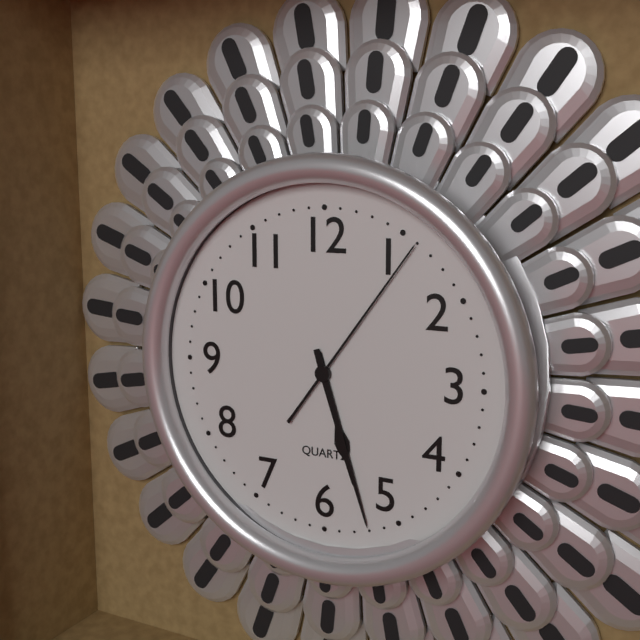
5:27:06
